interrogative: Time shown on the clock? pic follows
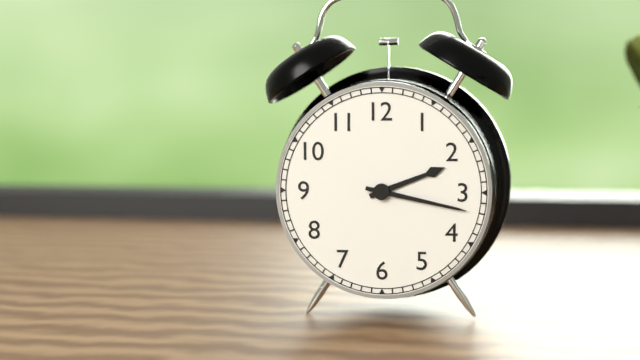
2:17
